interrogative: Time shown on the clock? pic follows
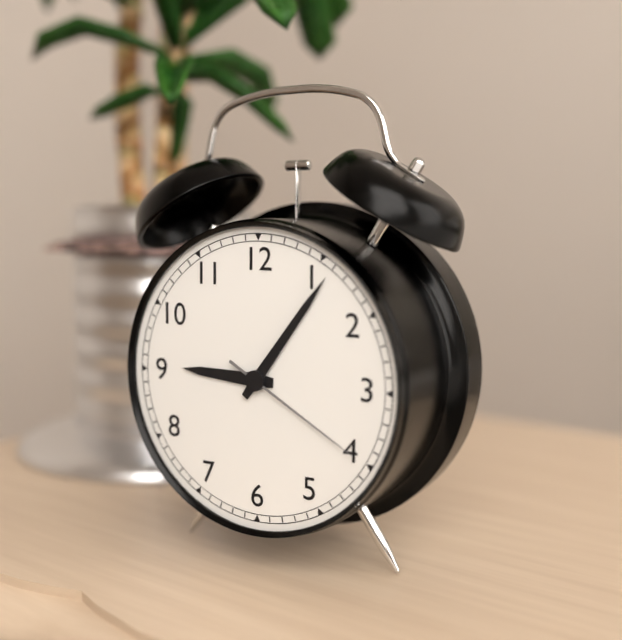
9:06:20
